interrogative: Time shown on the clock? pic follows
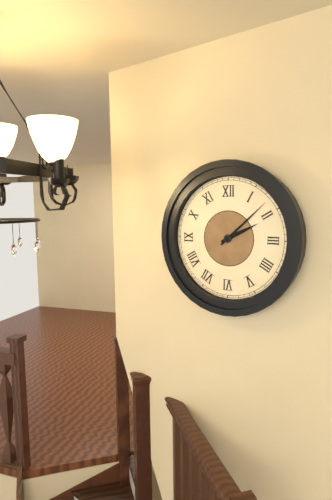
2:08
